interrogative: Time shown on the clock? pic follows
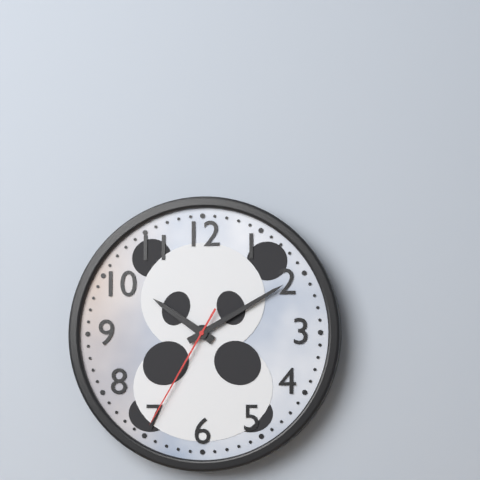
10:10:35
